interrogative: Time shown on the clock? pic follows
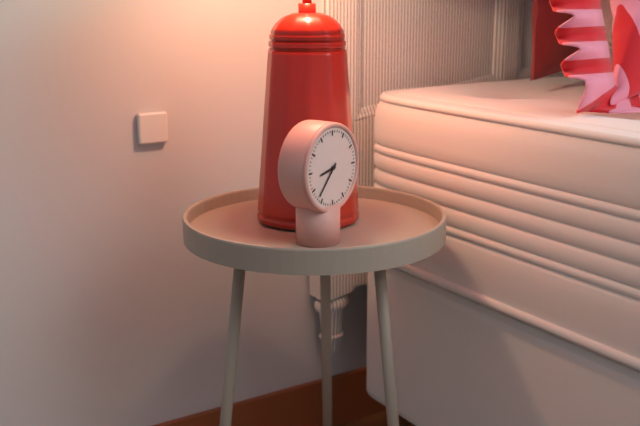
8:37
